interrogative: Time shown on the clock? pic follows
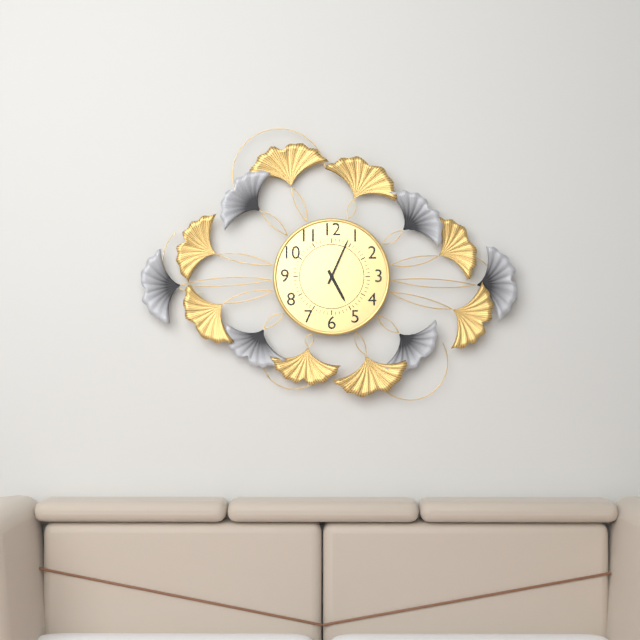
5:04
